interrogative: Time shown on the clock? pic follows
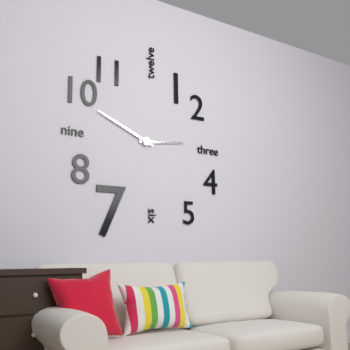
2:49
